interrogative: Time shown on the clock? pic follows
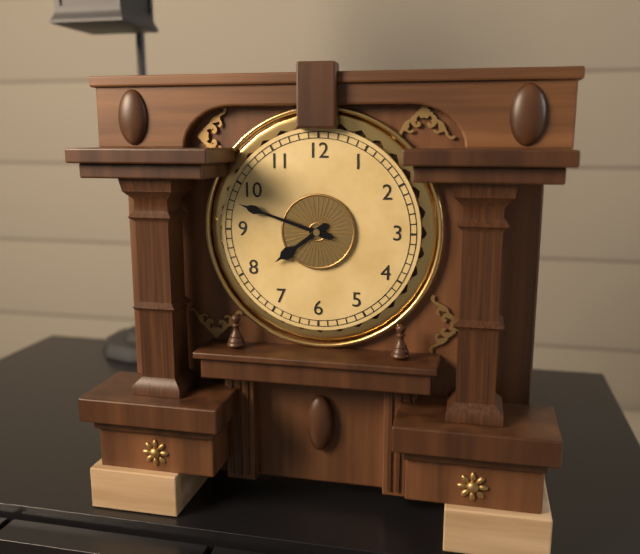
7:48
